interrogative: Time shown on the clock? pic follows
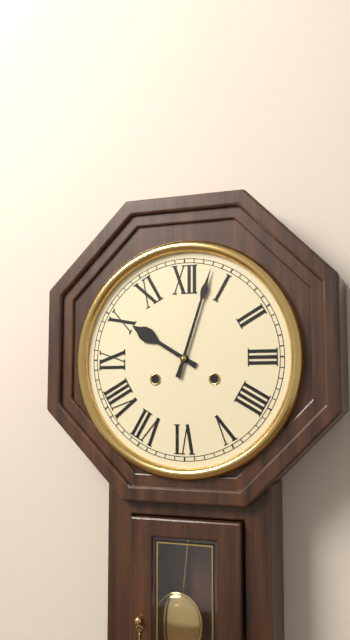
10:03
